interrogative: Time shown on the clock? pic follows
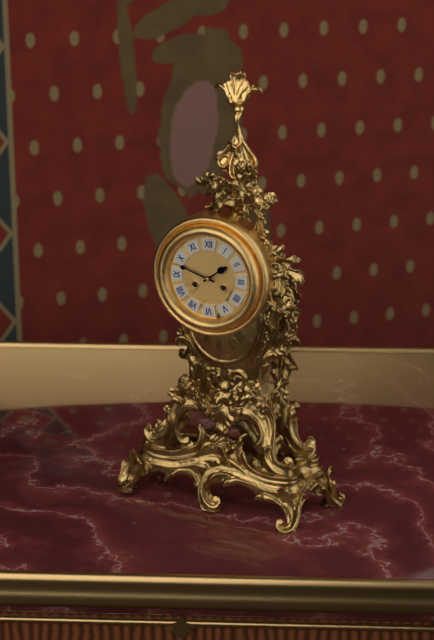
1:48
